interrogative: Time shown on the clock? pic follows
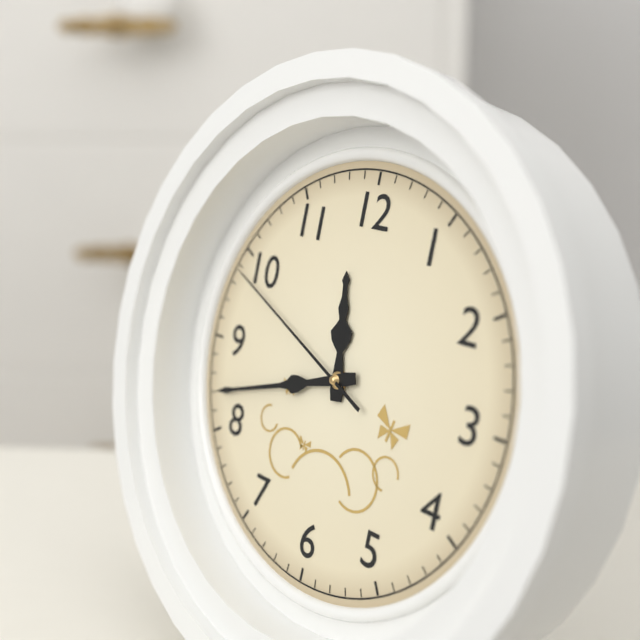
11:42:49
